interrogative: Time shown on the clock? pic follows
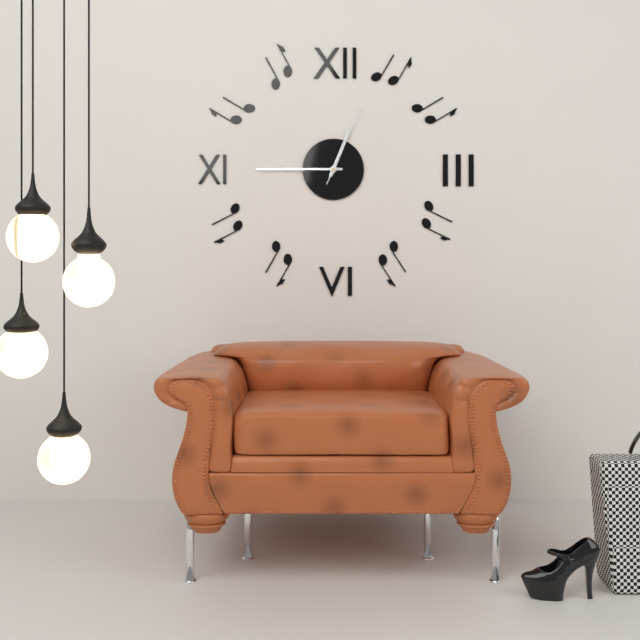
12:45:04
